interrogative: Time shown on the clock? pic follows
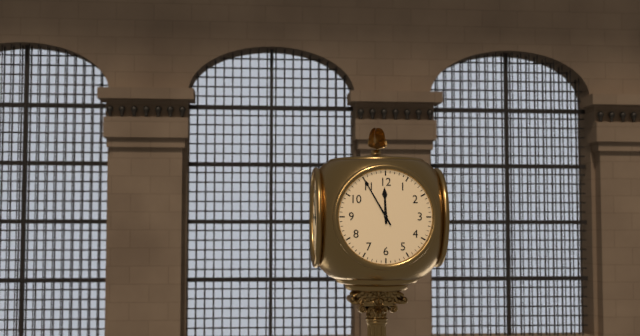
11:55
